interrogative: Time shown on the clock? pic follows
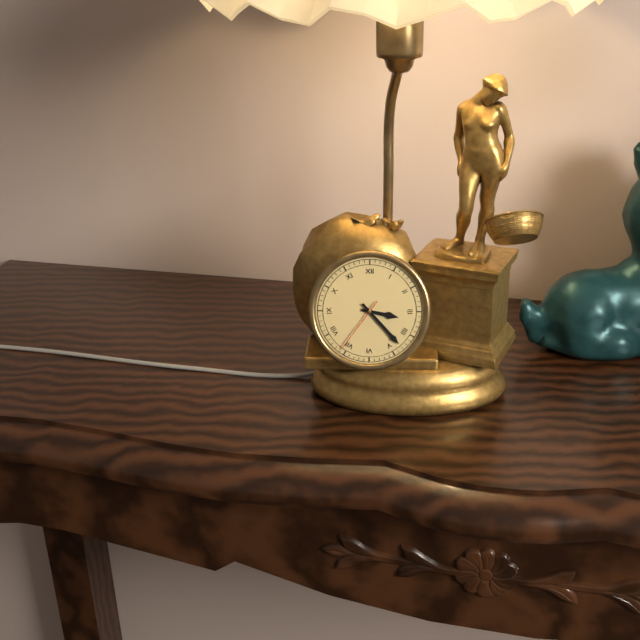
3:23:36
